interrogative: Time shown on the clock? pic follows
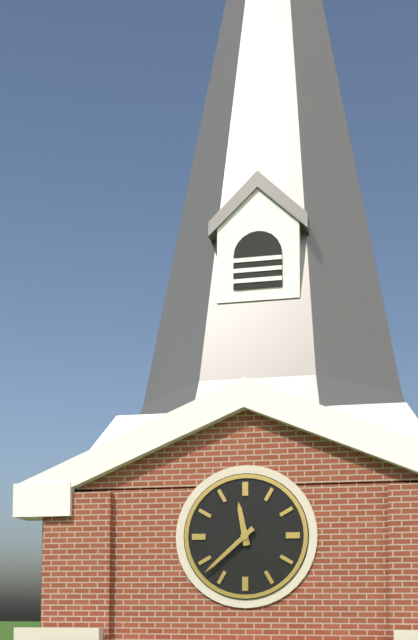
11:38
